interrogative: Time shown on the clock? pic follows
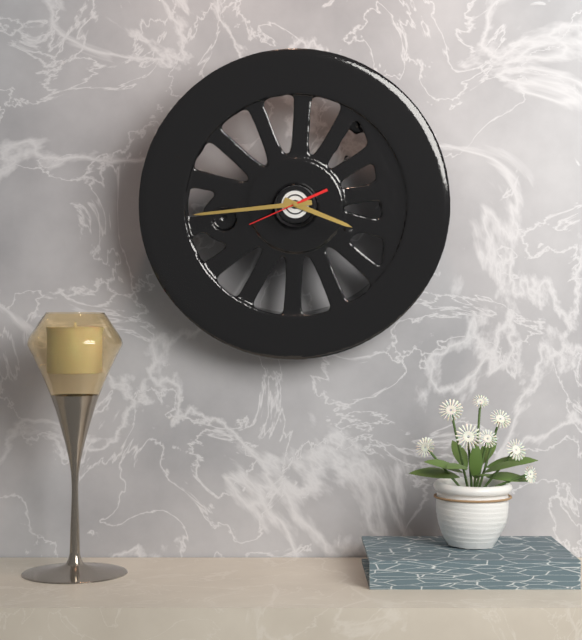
3:44:41
